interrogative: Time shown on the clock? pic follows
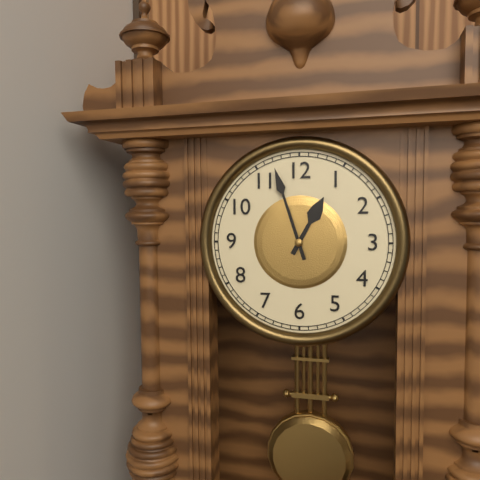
12:57
